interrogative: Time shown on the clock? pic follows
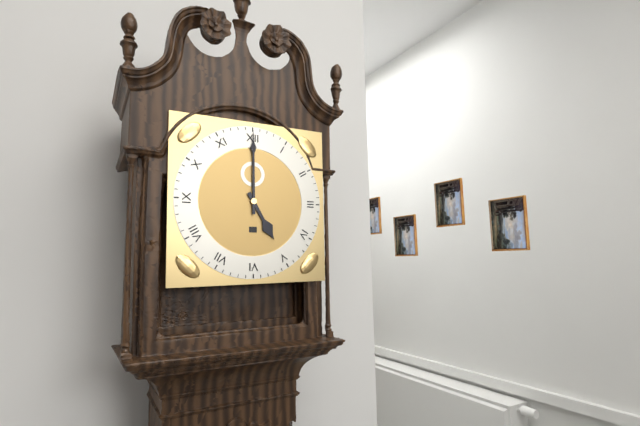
5:00
